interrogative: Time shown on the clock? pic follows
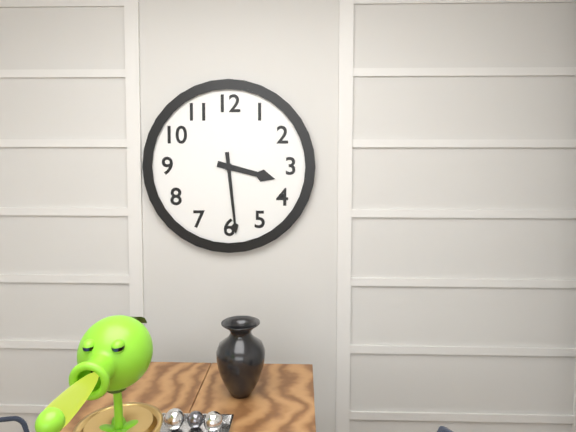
3:29
